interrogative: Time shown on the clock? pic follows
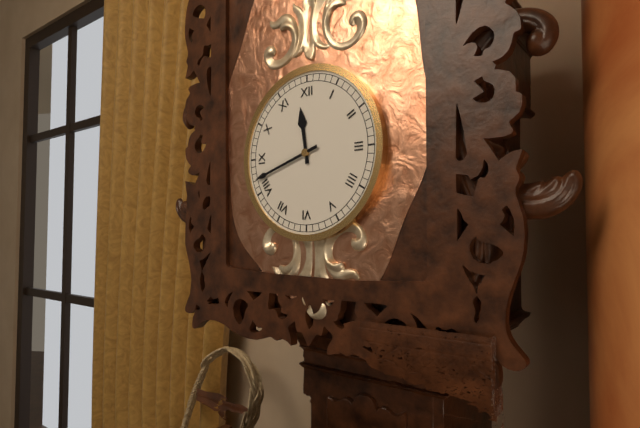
11:42
